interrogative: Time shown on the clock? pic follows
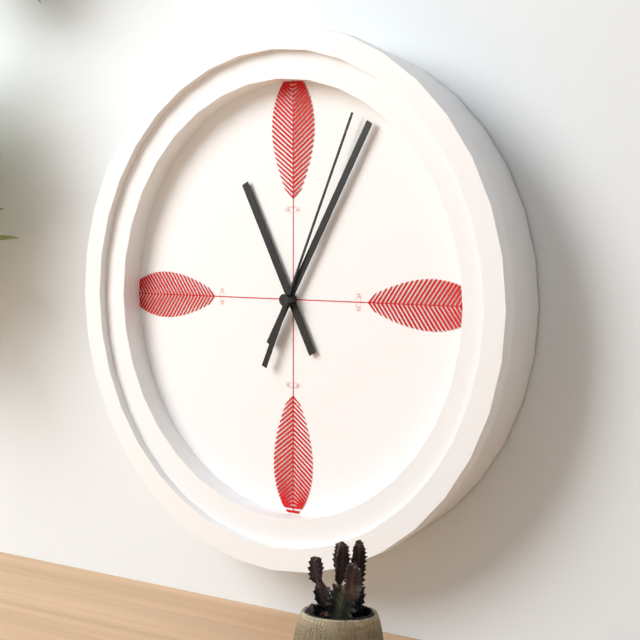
11:05:04
